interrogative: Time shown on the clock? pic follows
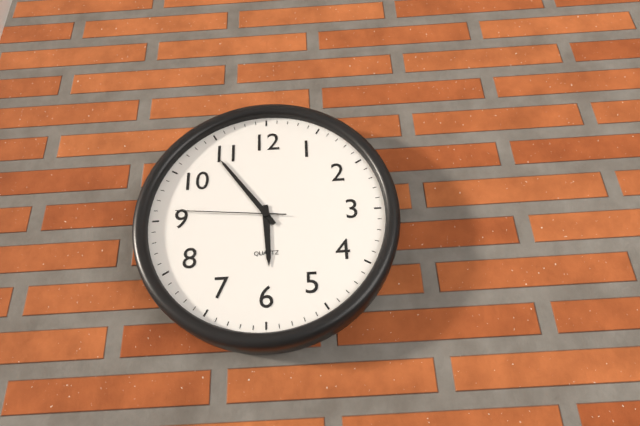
5:54:46
